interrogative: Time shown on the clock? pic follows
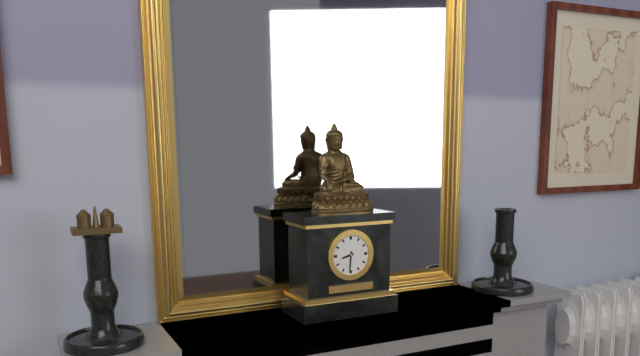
8:31
